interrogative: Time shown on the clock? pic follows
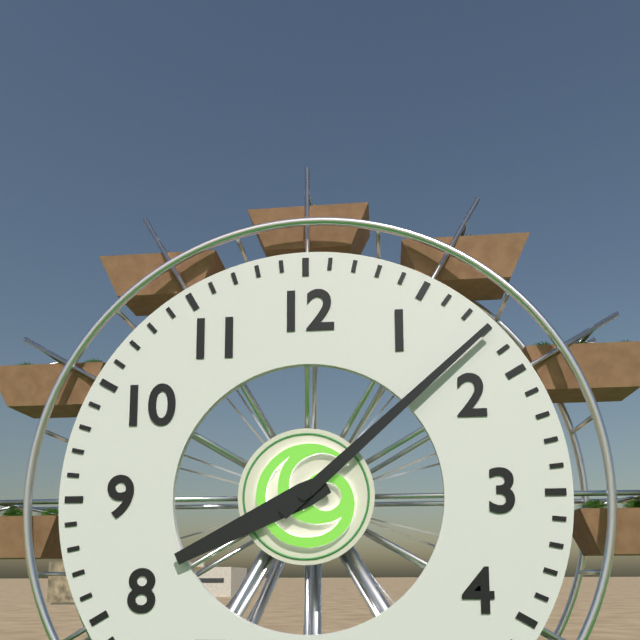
8:08
